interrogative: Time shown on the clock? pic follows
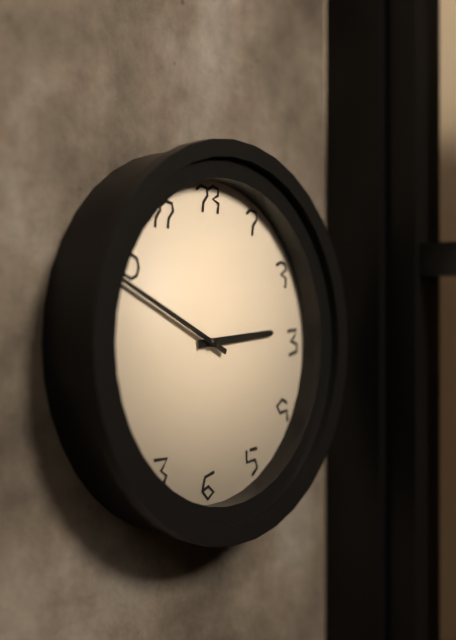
2:49
